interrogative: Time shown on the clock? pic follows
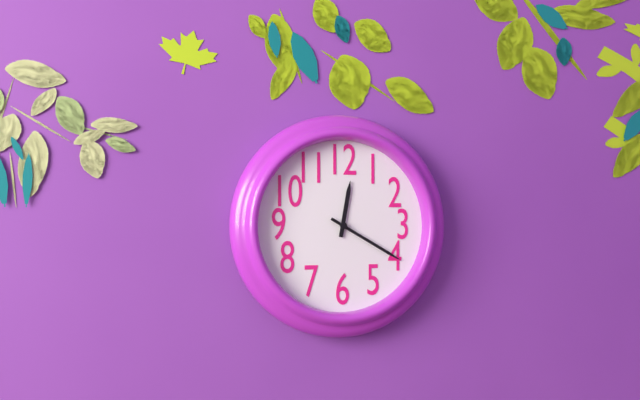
12:20
